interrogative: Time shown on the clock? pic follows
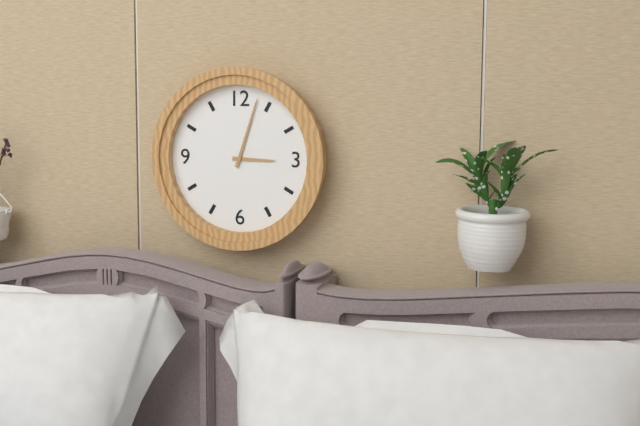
3:03
